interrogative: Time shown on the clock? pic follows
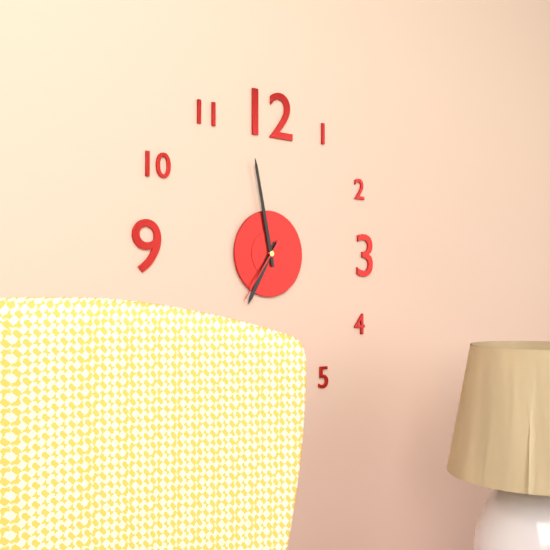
6:58:36
